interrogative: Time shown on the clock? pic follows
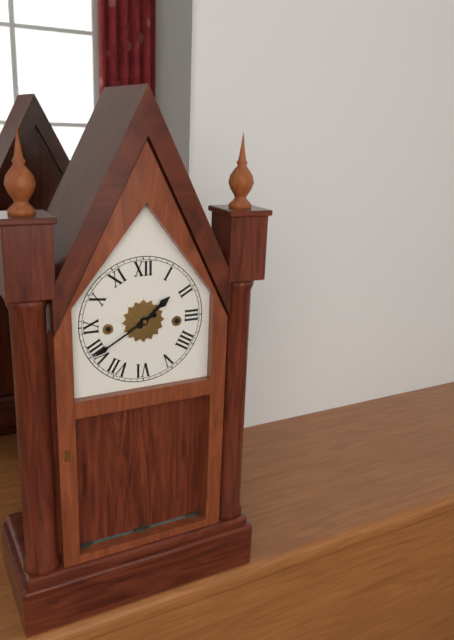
1:40
